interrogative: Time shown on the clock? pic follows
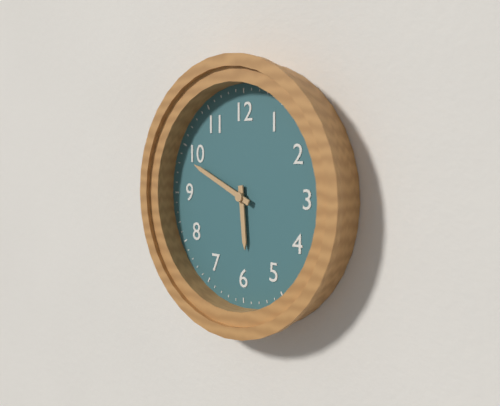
5:49
